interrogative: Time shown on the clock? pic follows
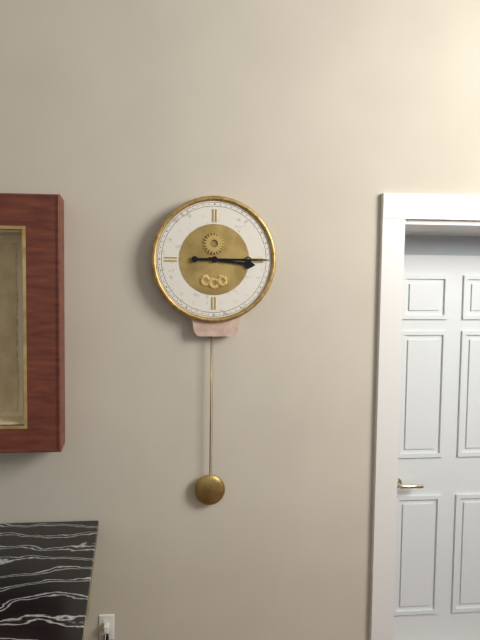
3:15
